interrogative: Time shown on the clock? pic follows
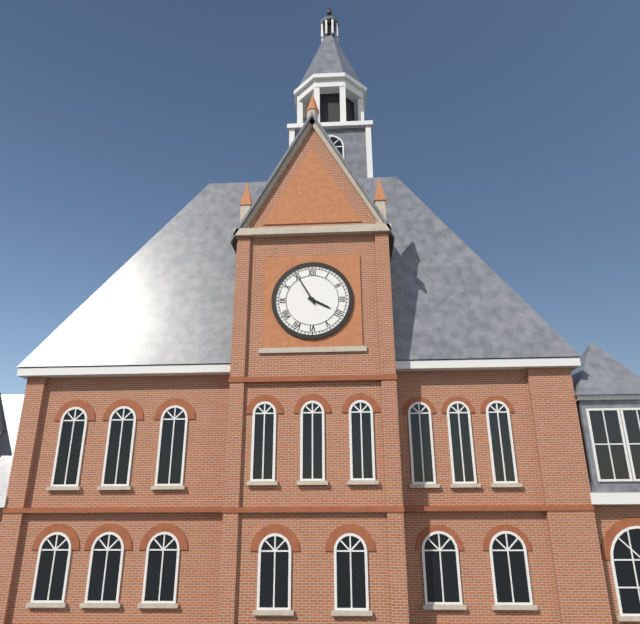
3:55
